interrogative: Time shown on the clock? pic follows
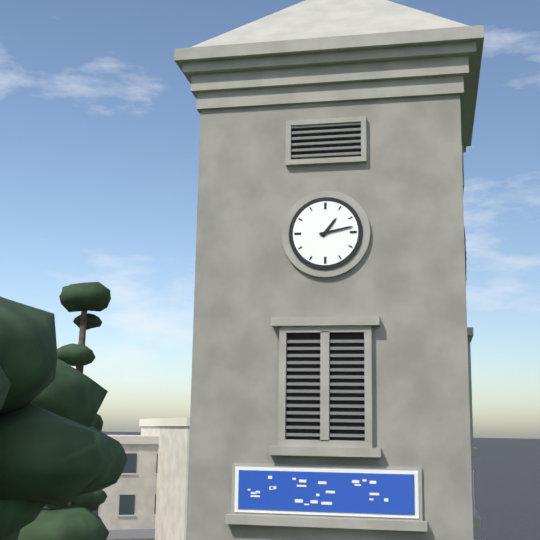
1:13
